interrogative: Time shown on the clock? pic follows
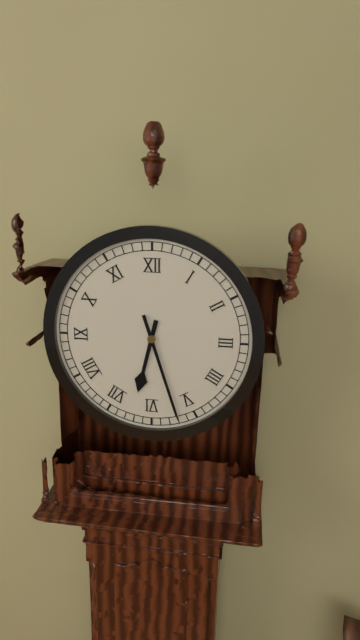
6:27
